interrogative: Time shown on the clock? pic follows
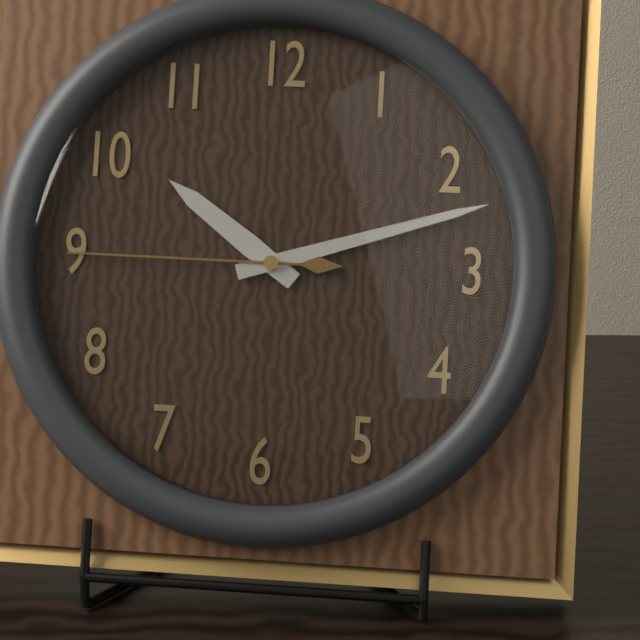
10:12:45
